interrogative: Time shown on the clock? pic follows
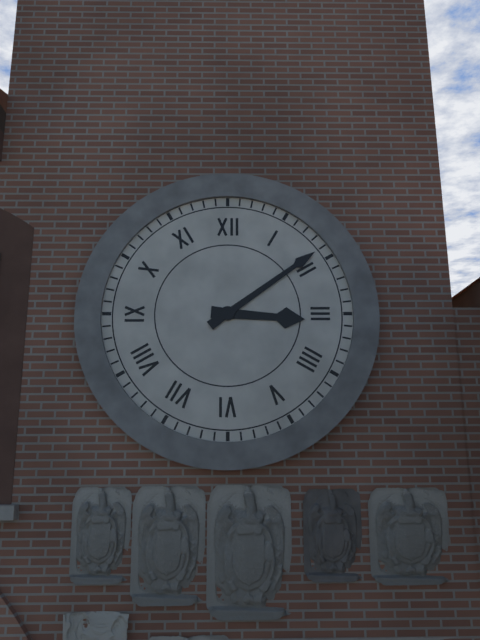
3:09
